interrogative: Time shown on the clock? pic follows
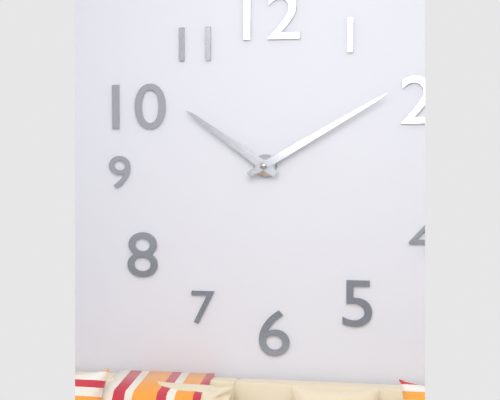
10:10
